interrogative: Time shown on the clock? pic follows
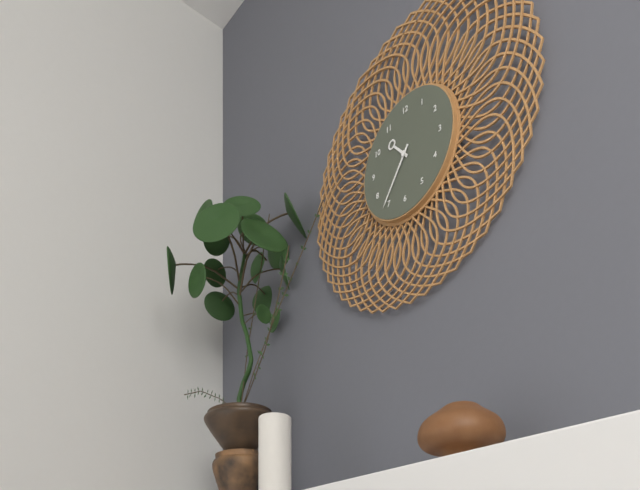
10:36
